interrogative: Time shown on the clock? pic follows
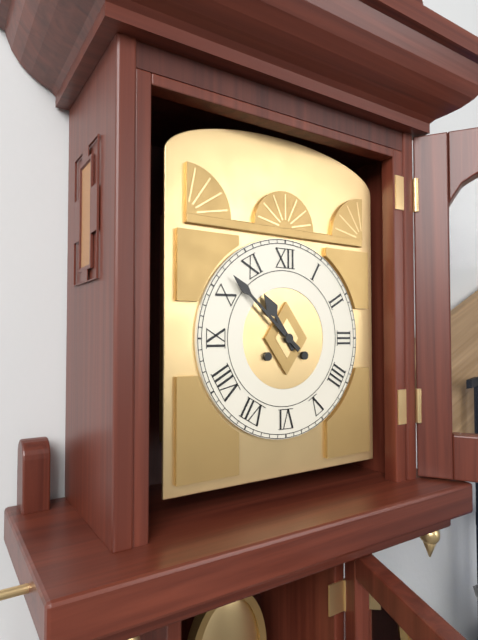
10:52
